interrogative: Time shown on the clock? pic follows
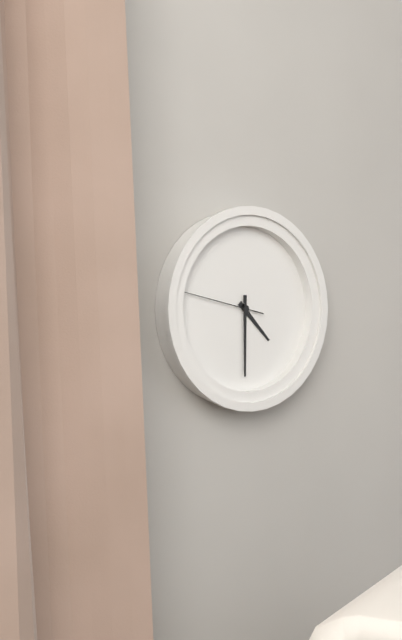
4:30:47
